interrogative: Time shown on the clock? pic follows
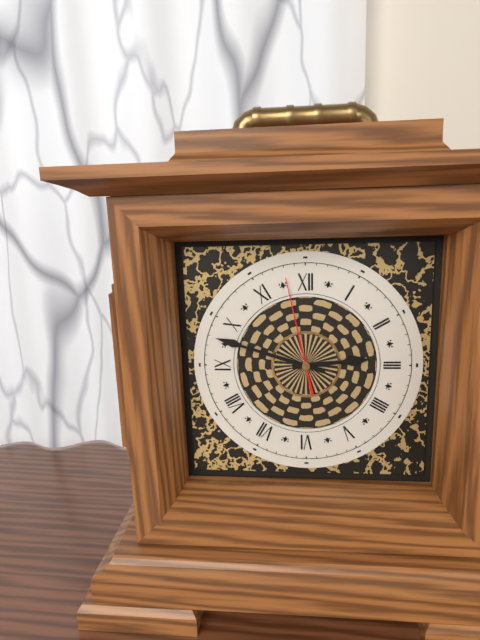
2:48:58
